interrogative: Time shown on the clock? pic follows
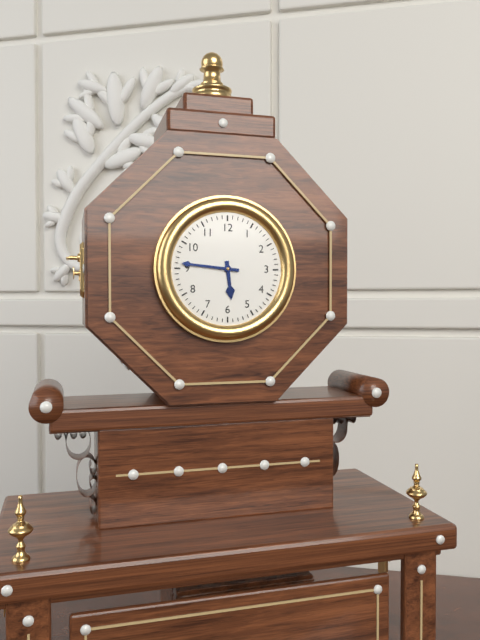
5:46
